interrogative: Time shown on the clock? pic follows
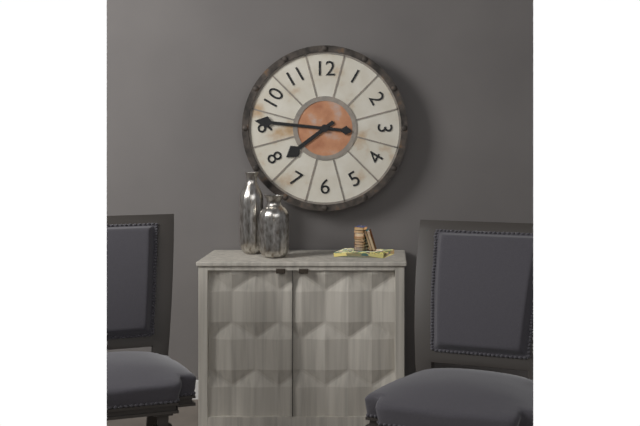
7:46
